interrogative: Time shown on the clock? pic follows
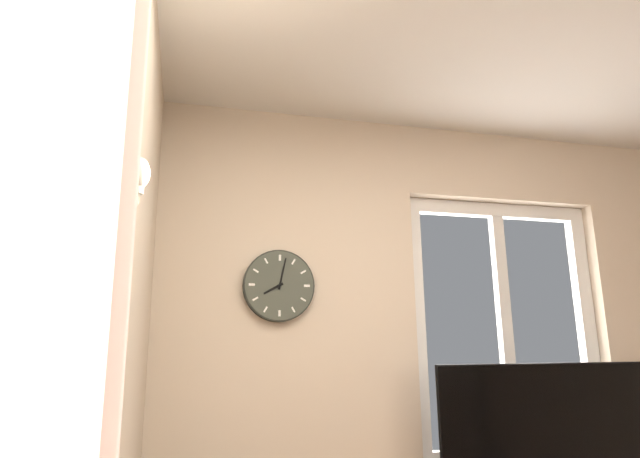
8:02
